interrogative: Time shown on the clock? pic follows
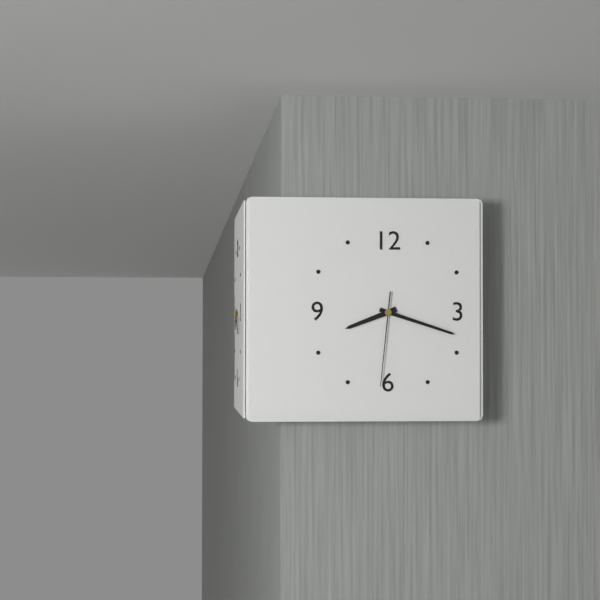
8:18:31
